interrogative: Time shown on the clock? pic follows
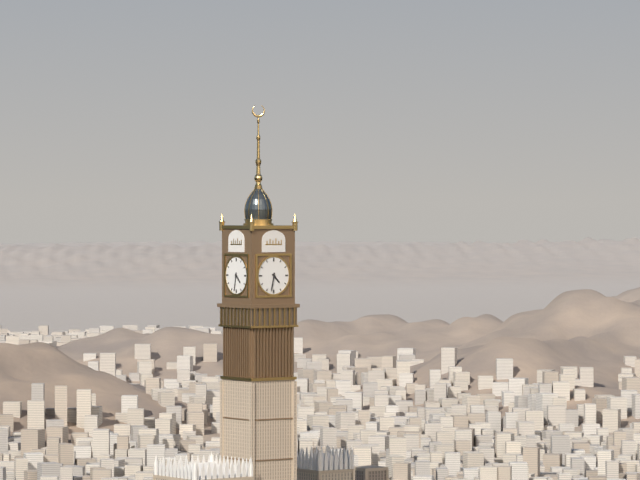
4:32
